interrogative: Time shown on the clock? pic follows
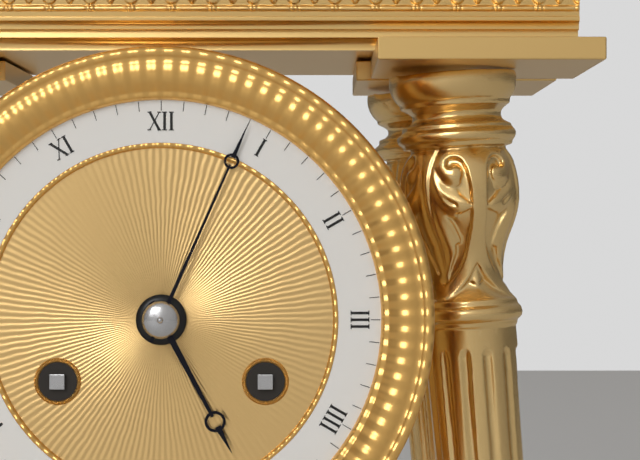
5:04
